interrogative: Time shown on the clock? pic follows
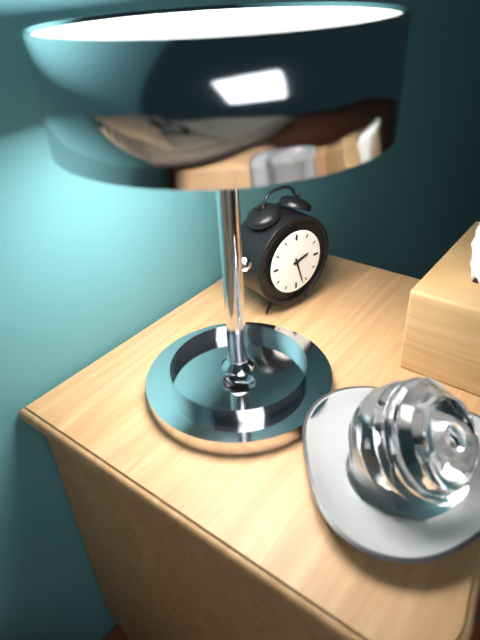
2:27
